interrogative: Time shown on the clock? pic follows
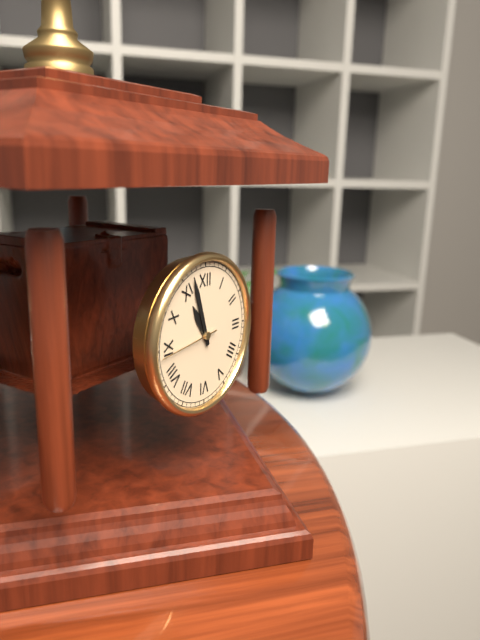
10:57
